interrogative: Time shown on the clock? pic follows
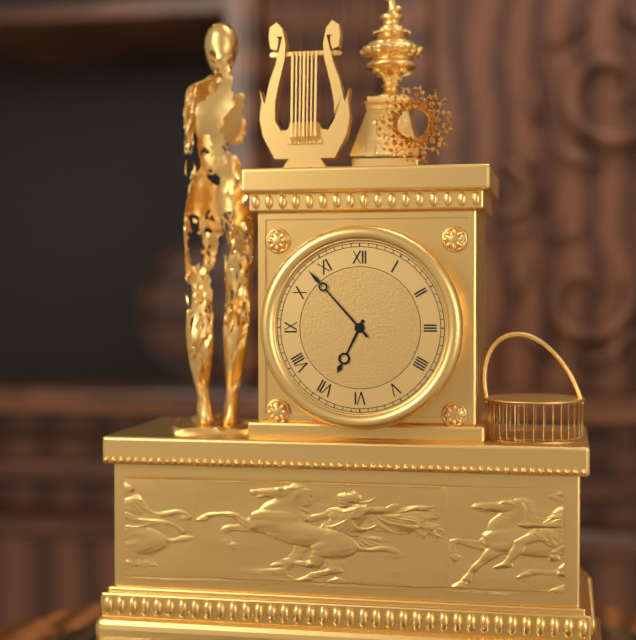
6:53
